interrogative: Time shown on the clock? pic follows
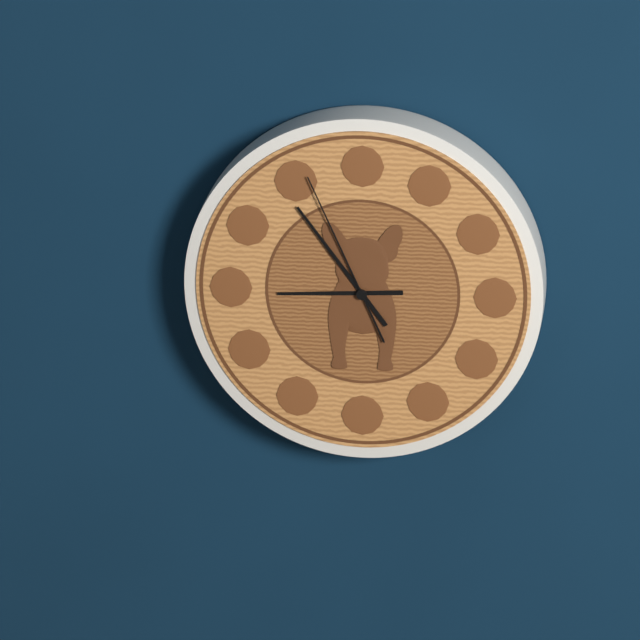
8:54:56
